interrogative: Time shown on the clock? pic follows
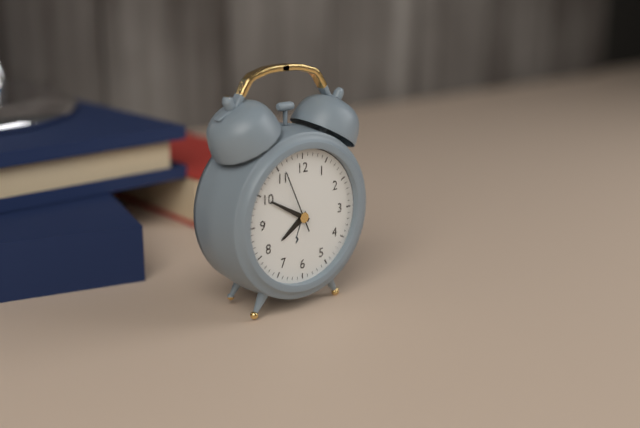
7:50:56
